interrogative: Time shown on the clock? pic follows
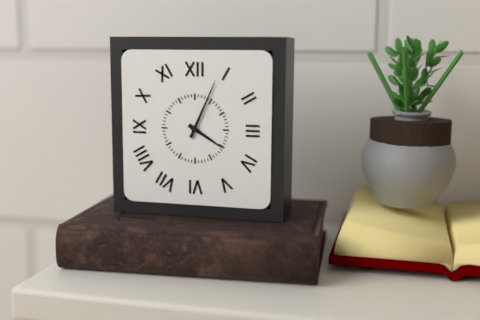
4:04
